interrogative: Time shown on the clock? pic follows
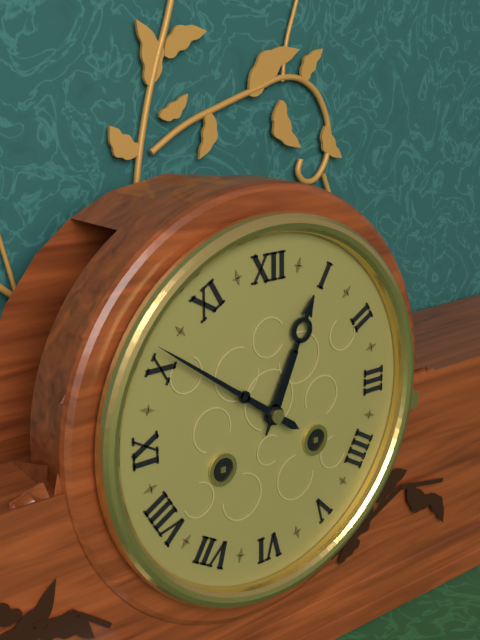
12:51
